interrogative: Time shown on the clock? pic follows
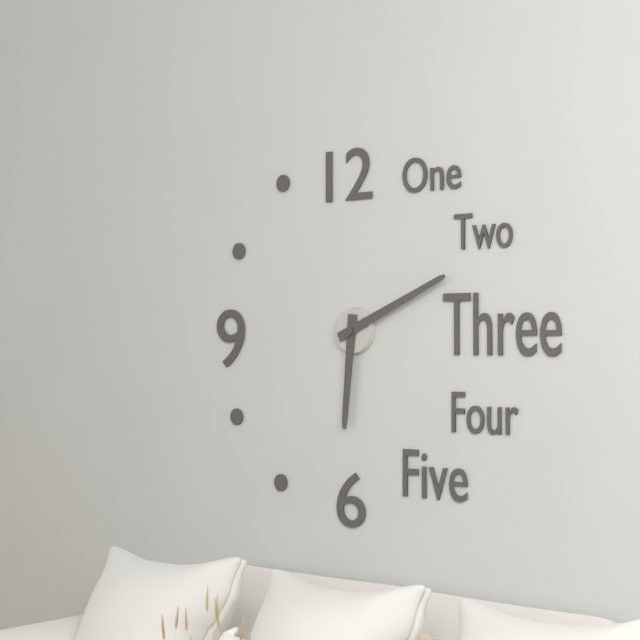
6:11
